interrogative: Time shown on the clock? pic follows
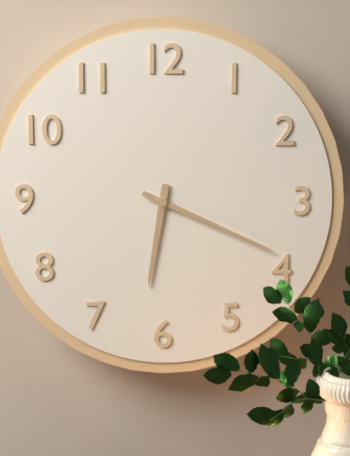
6:19
